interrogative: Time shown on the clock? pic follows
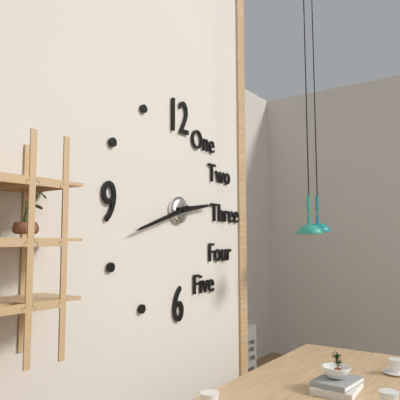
2:42
